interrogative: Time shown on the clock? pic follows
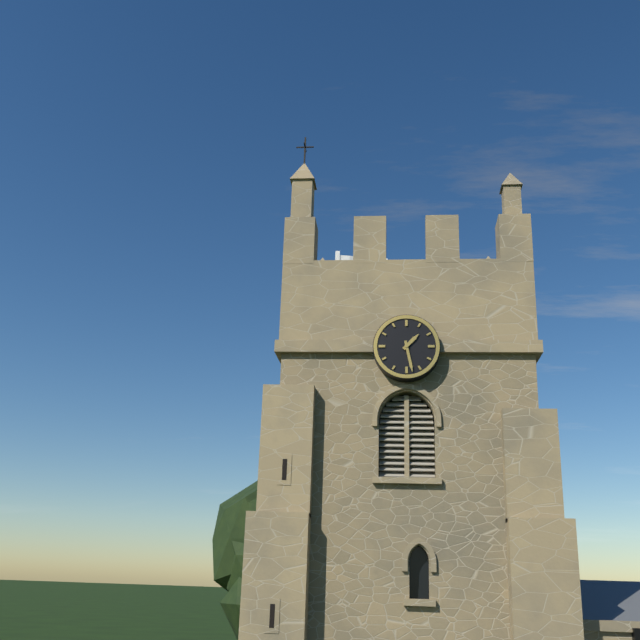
1:28
